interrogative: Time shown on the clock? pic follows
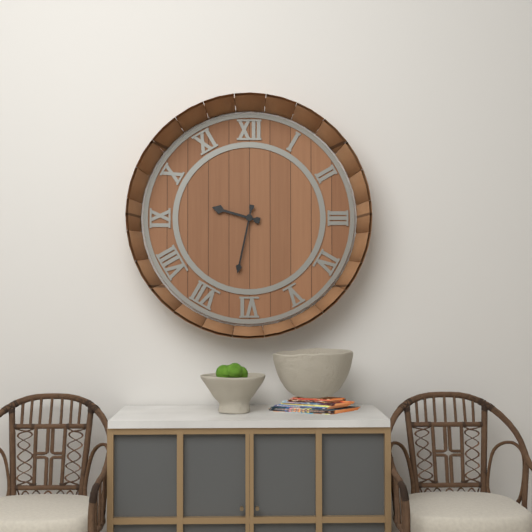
9:32
